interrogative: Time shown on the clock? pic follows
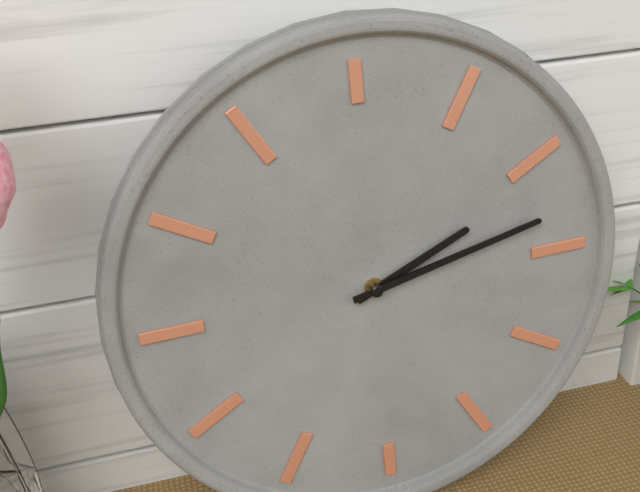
2:13
